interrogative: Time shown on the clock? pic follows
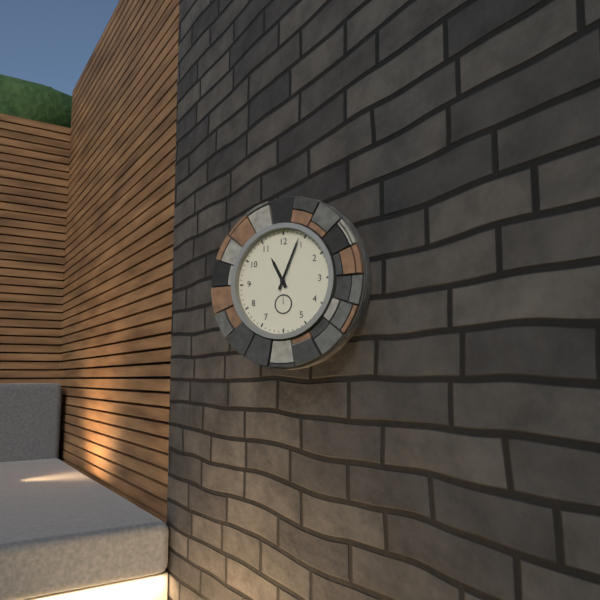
11:04
